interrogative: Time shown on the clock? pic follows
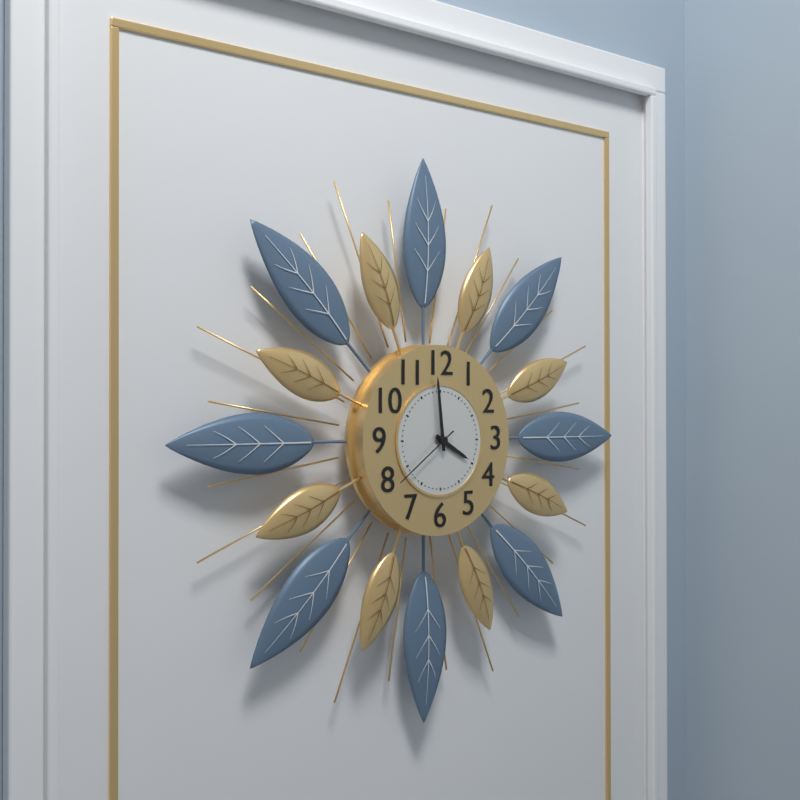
3:59:39
